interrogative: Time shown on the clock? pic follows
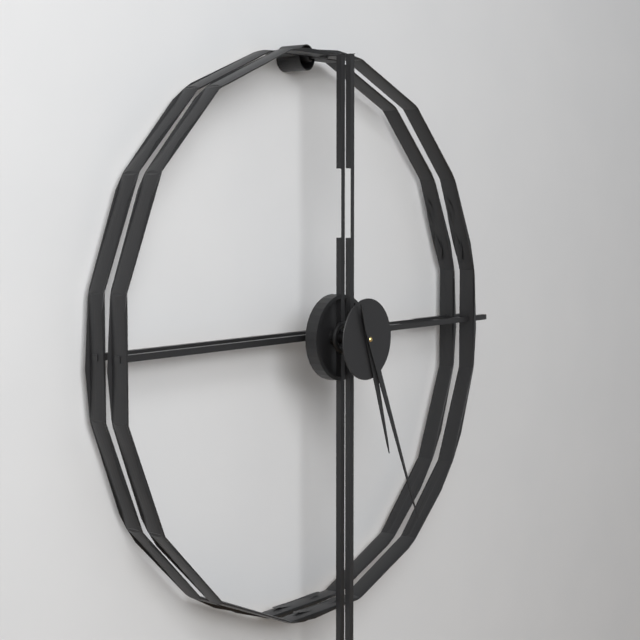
5:26
